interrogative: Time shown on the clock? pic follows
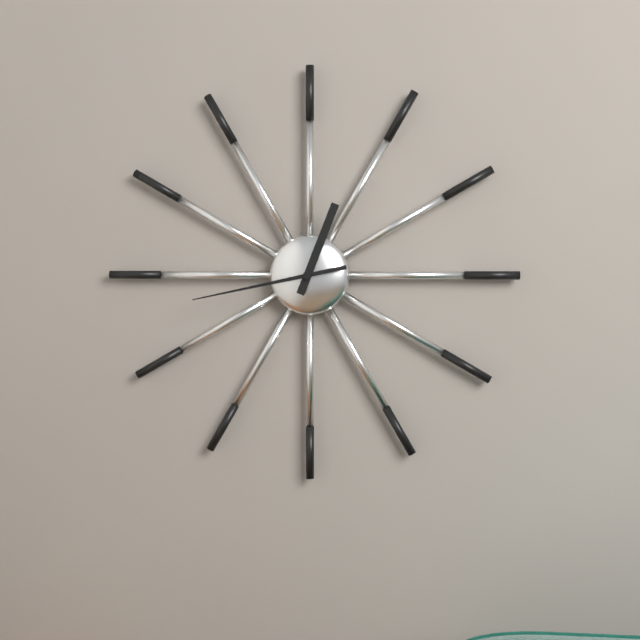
12:43
